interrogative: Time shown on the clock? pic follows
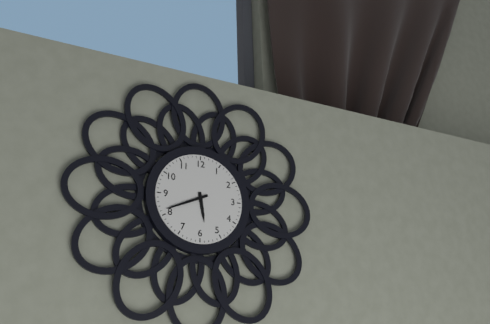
5:41
